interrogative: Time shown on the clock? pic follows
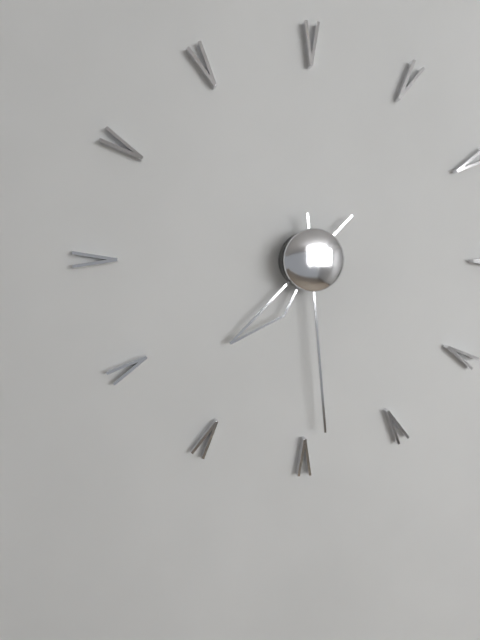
7:29
